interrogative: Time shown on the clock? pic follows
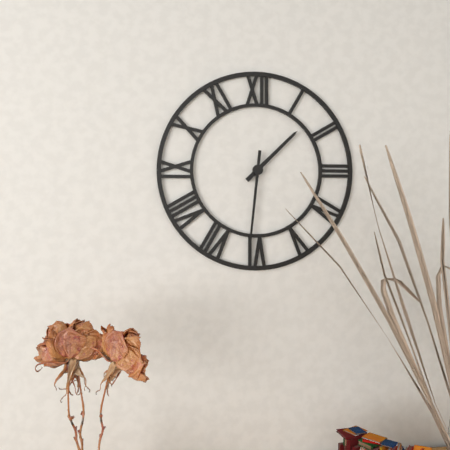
1:31
